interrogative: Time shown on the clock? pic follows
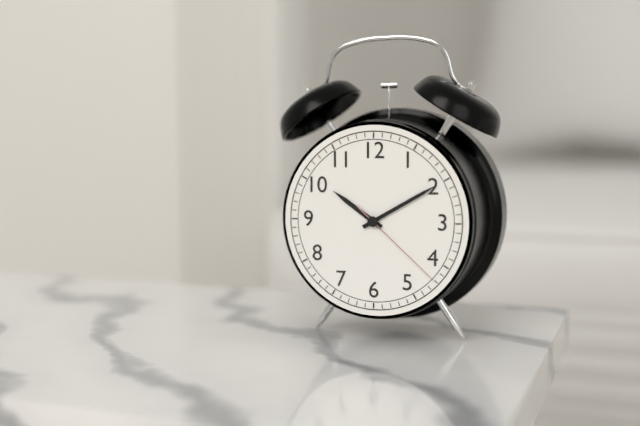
10:10:22
